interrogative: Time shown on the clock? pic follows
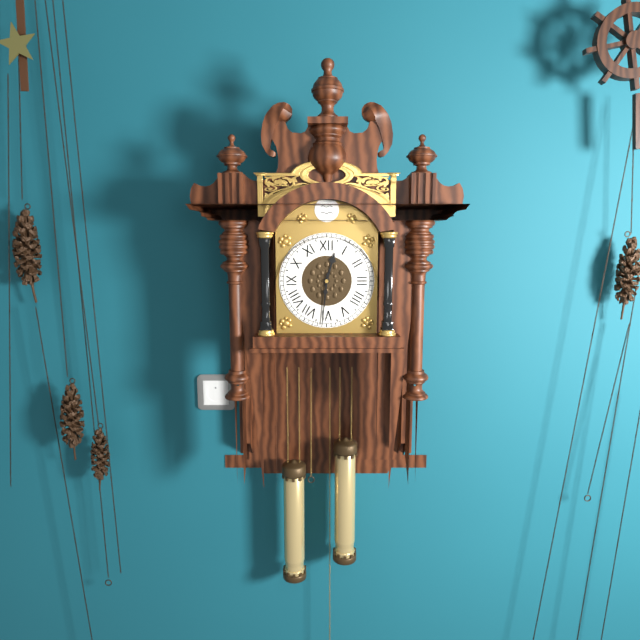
12:31
